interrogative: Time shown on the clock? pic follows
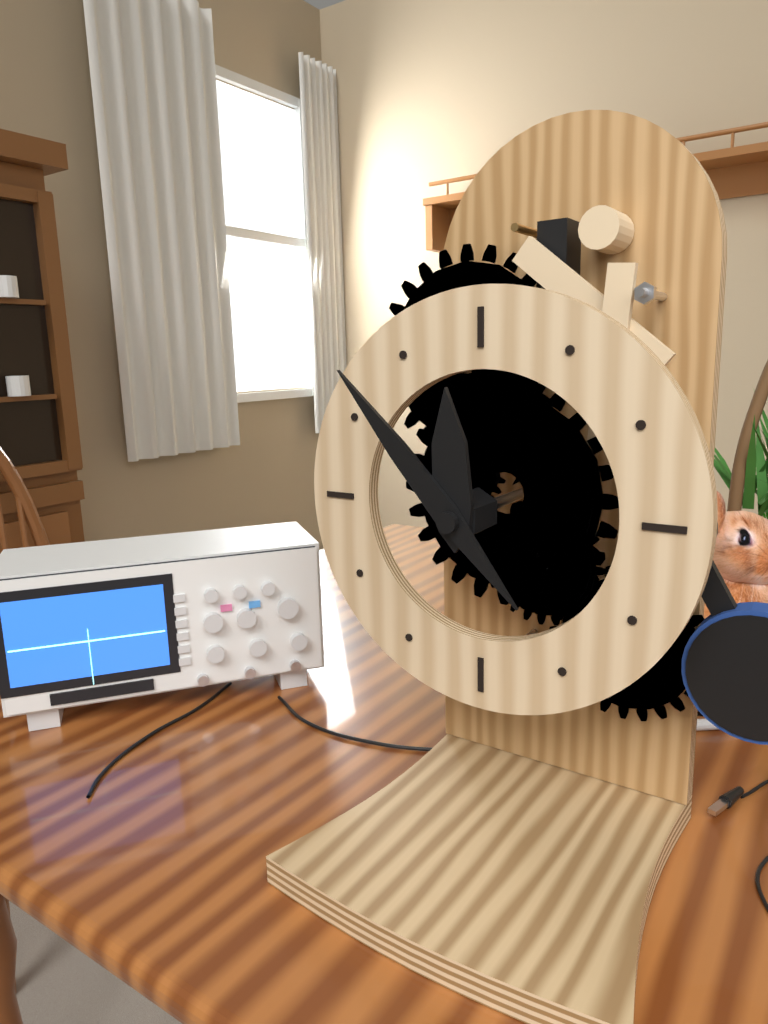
11:53
